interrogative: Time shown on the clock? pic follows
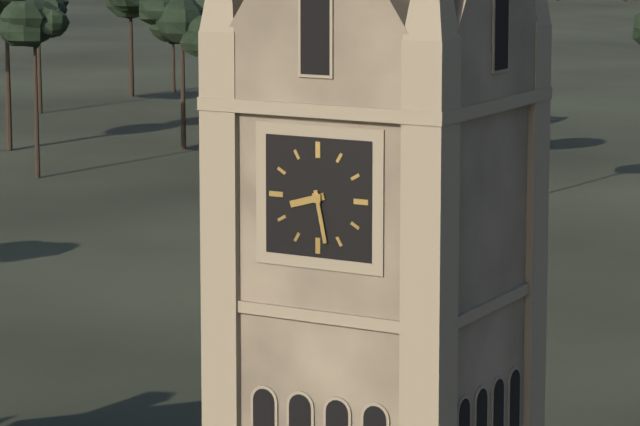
8:28
